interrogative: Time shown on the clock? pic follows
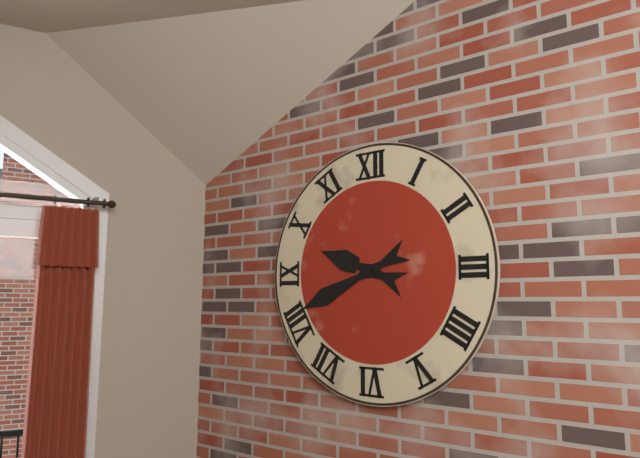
9:41
